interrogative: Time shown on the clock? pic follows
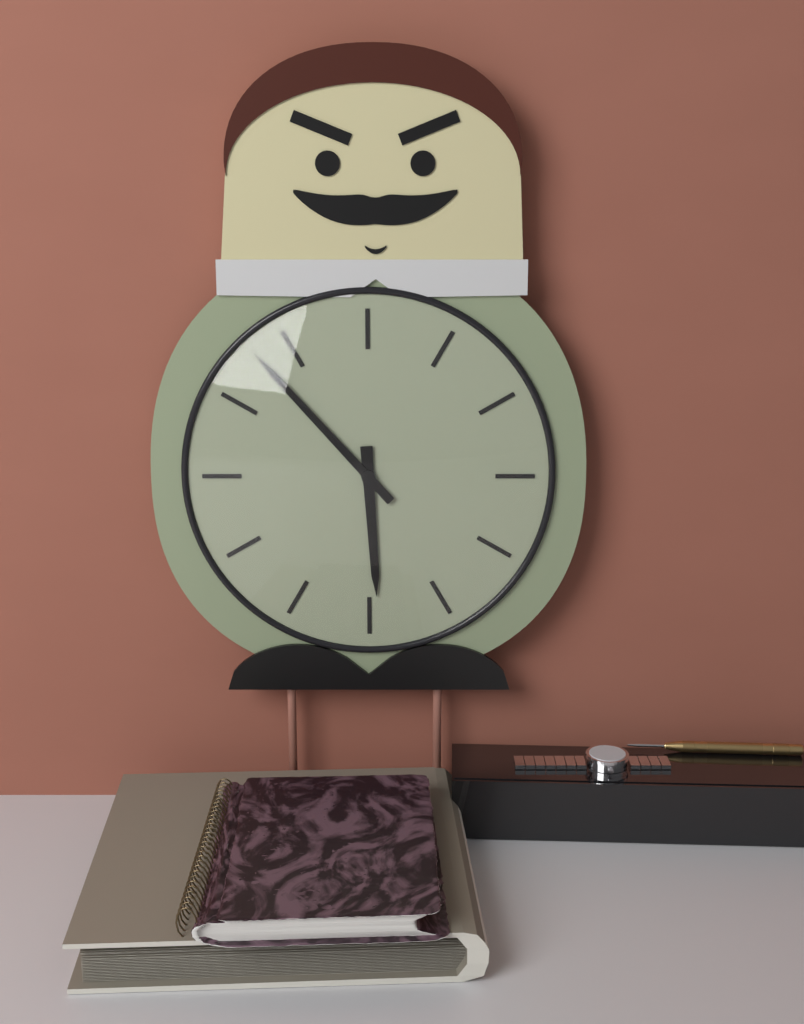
5:53
